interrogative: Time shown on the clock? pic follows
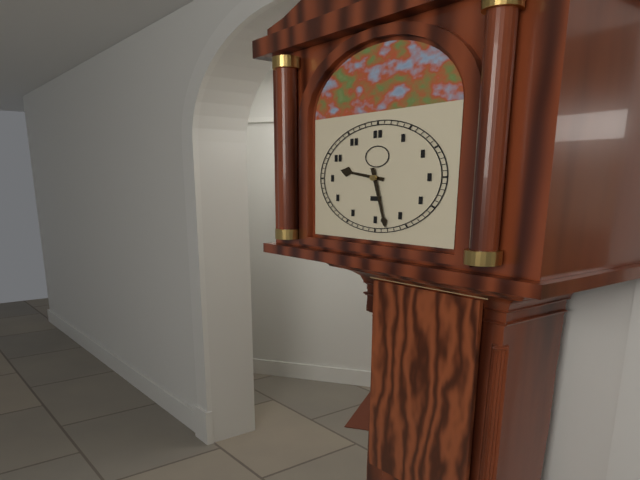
9:28
